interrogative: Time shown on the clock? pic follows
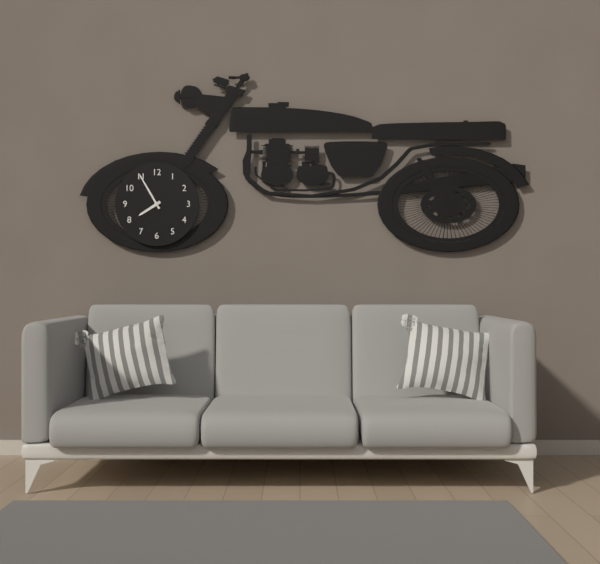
7:55
